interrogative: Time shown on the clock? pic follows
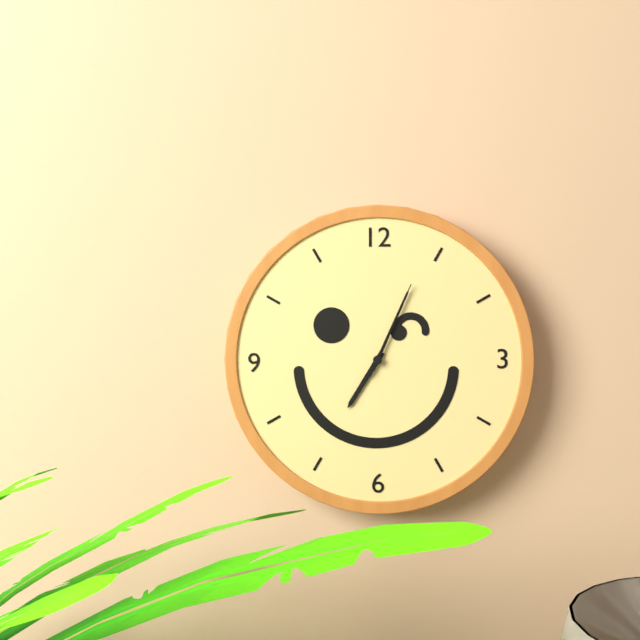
7:04:04
